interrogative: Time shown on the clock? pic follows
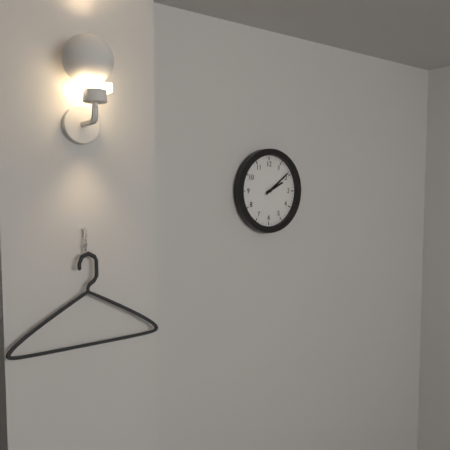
2:09
